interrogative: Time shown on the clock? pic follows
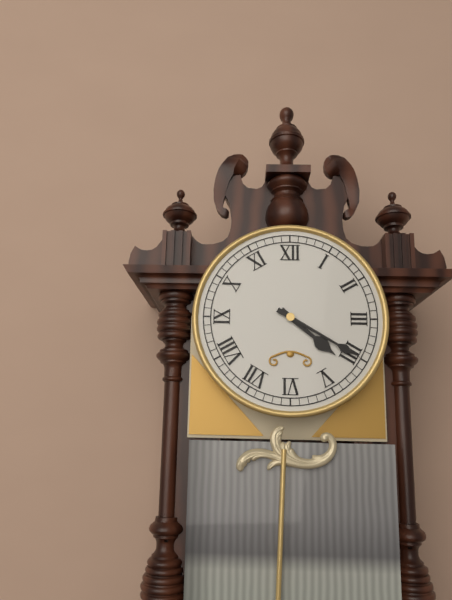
4:20
